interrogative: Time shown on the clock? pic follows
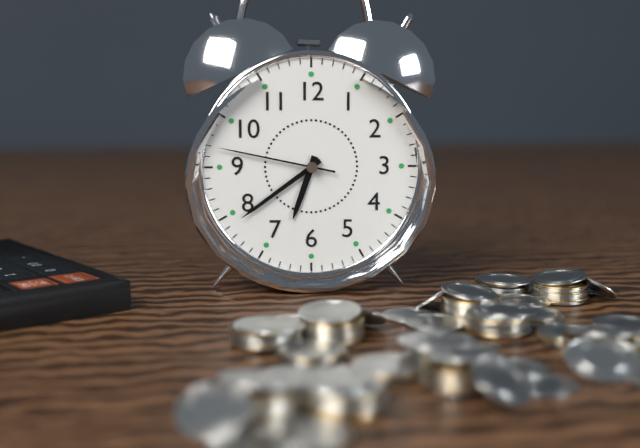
6:39:47
